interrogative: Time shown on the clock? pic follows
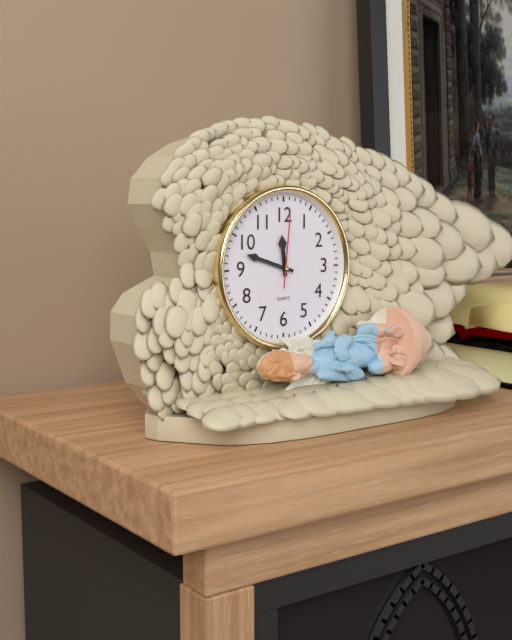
11:48:01
